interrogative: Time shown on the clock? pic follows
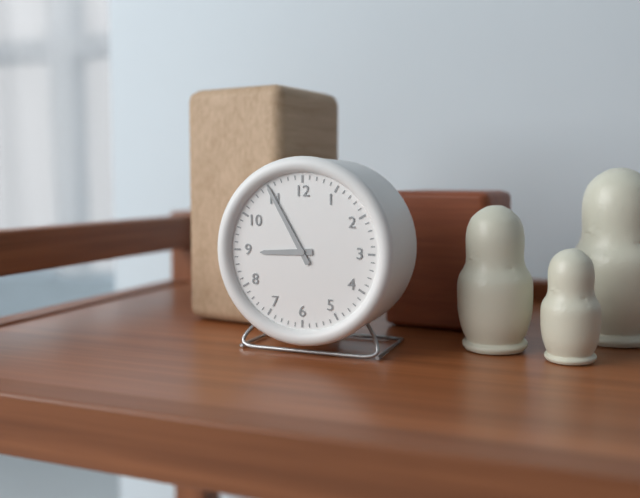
8:55
